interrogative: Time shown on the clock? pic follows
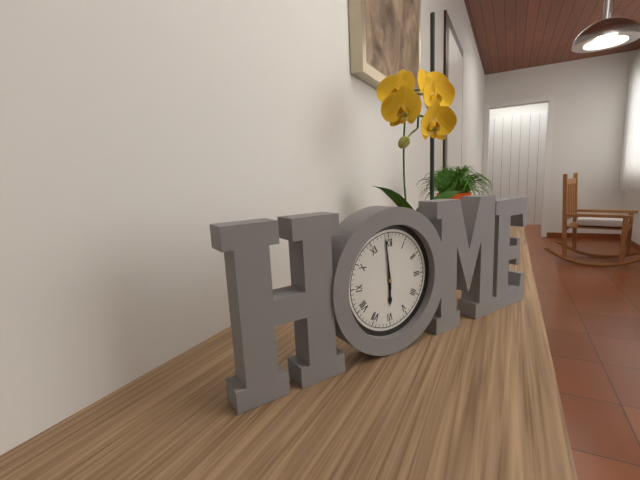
5:59
